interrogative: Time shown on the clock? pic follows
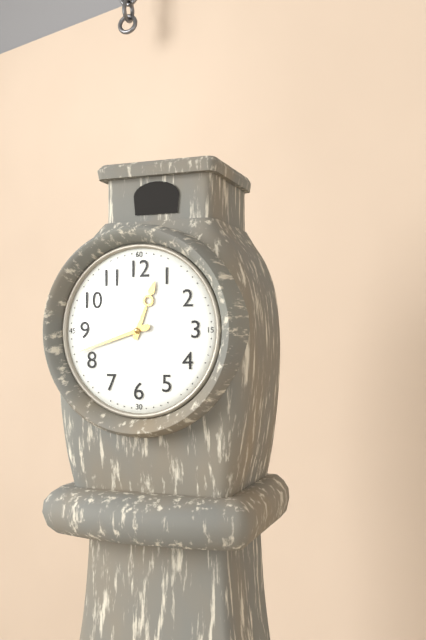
12:42
